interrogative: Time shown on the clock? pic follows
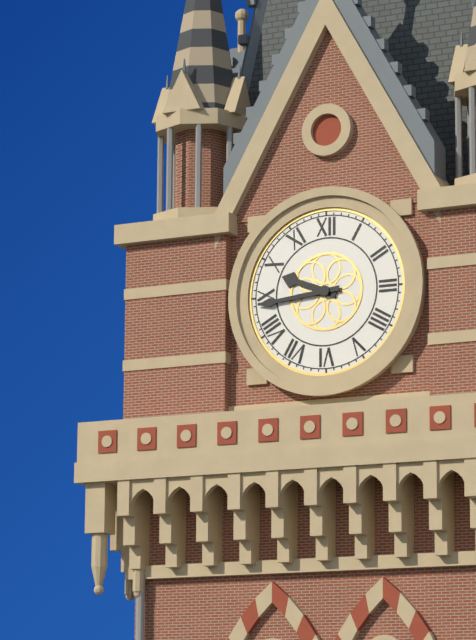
9:44
